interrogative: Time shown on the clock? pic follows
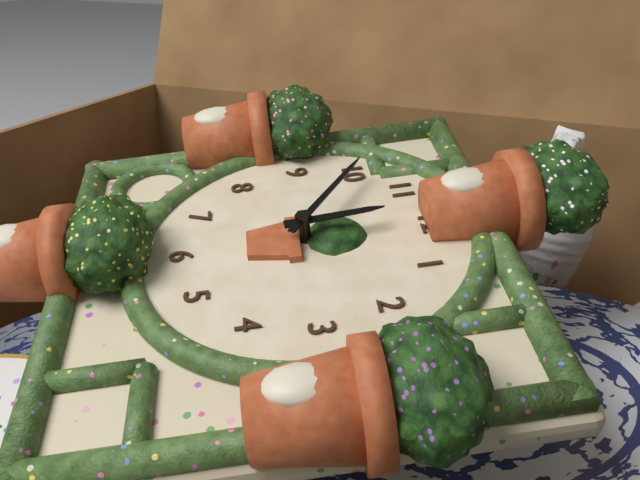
11:51
